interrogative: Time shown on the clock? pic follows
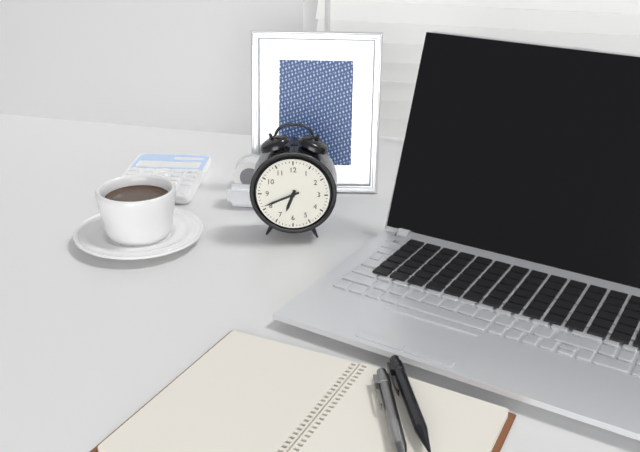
6:41
